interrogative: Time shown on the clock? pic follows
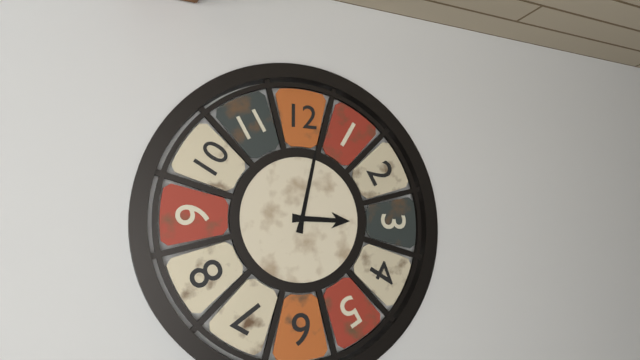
3:02
